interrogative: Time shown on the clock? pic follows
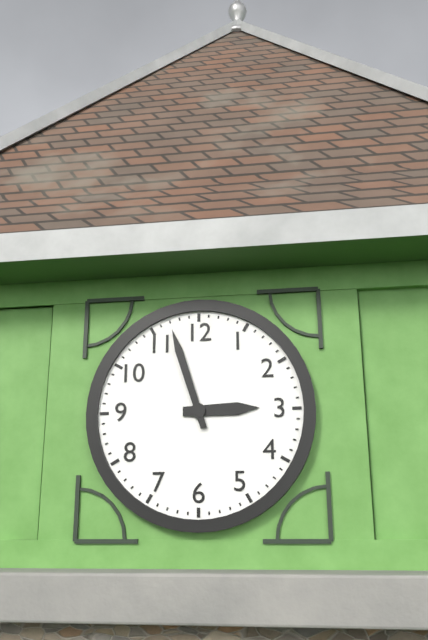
2:57
